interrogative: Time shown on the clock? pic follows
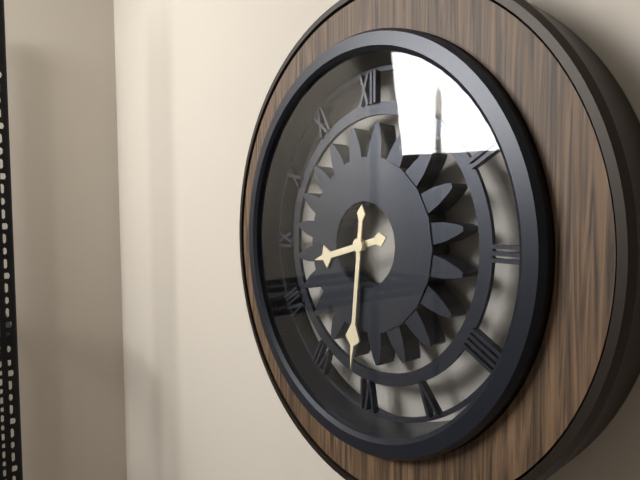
8:31
